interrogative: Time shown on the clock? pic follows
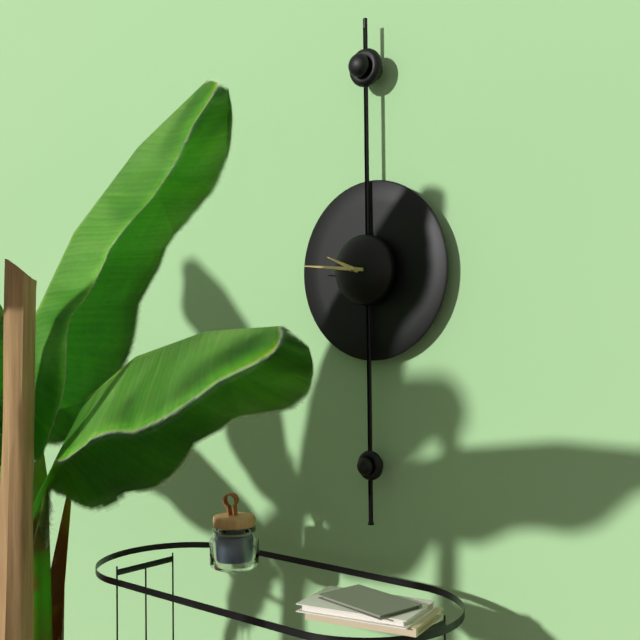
9:46
